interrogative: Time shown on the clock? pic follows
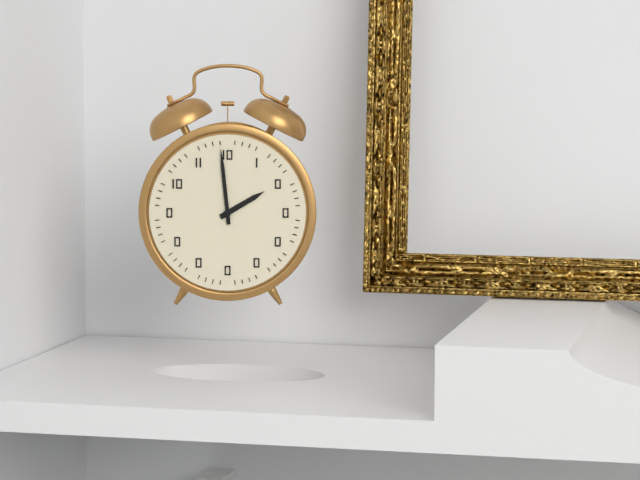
1:59
